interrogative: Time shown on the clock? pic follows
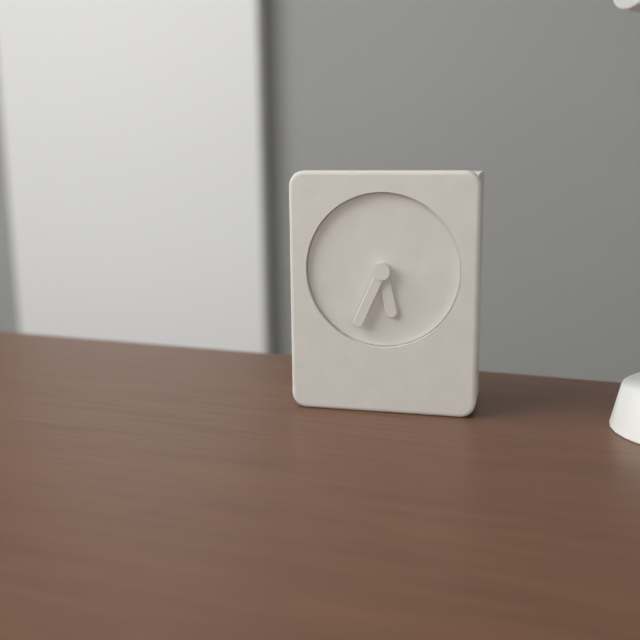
5:34
